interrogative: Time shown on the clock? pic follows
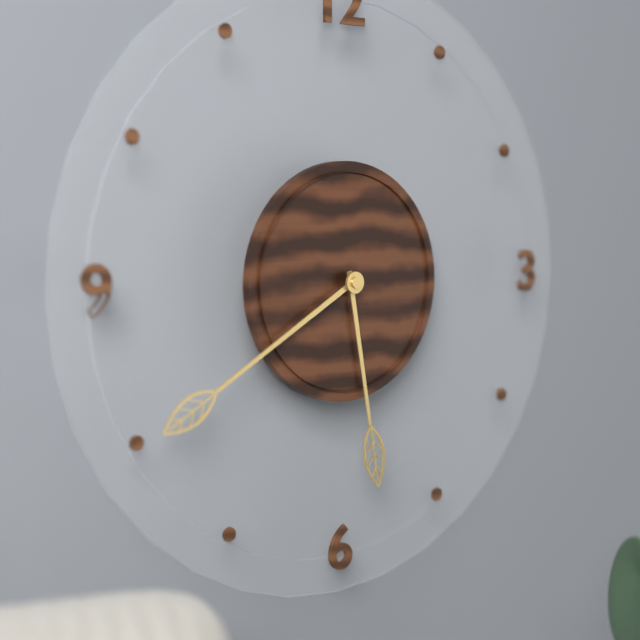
5:40
